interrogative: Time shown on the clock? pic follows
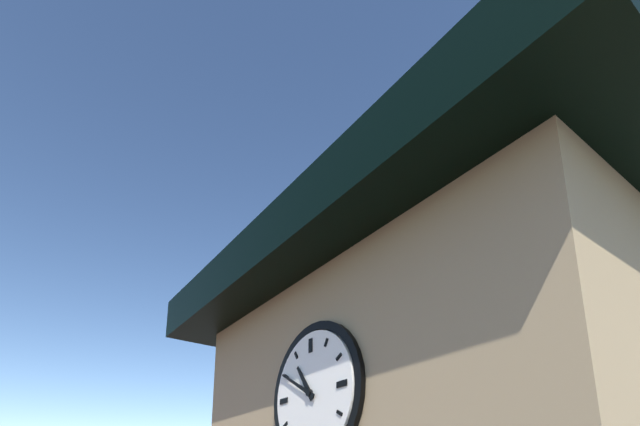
10:50
